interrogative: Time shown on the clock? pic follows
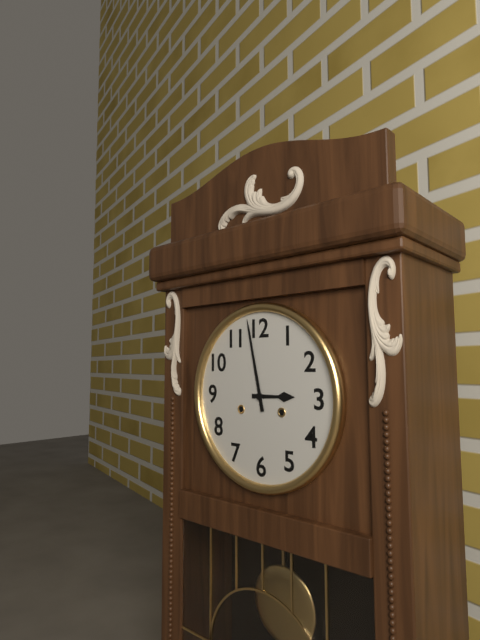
2:58
